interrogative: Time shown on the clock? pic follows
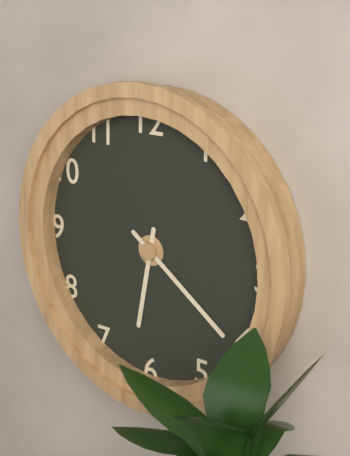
6:21
